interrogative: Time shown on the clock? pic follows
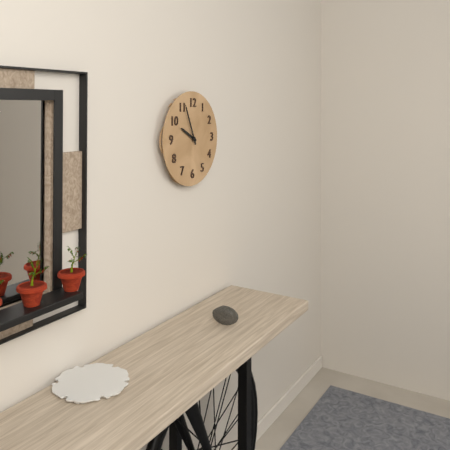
9:56
